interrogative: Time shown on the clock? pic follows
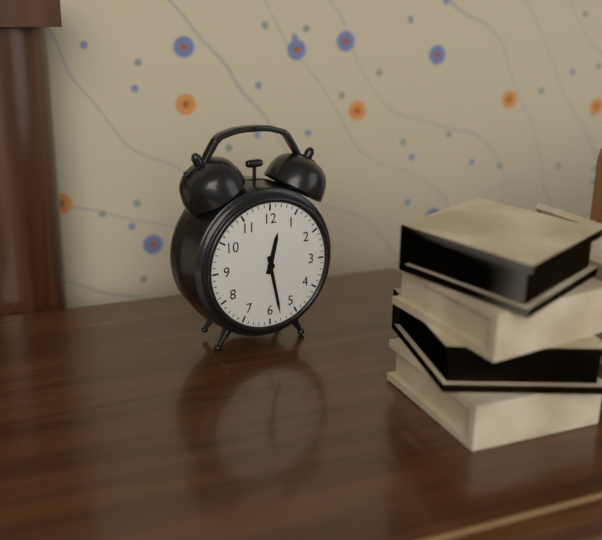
12:28
